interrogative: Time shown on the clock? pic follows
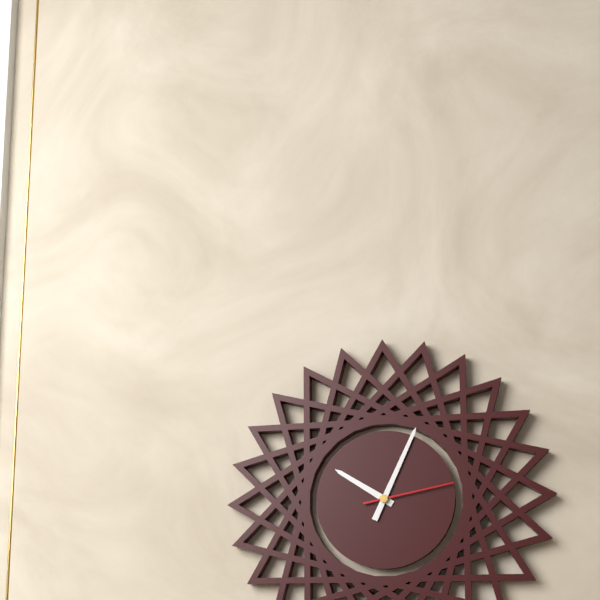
10:04:13
